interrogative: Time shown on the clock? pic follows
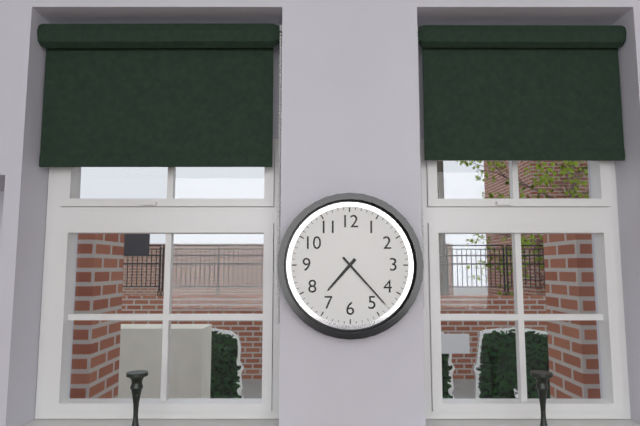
7:23
